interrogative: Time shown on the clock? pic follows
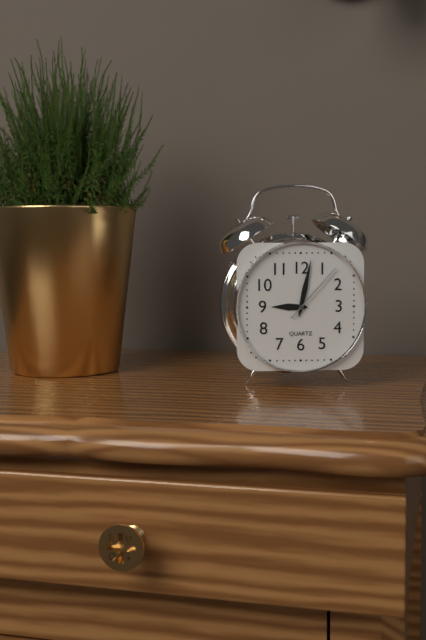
9:02:07
